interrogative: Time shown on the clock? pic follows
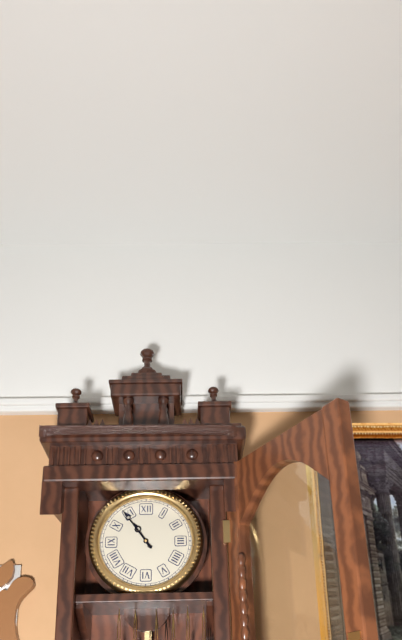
10:54
